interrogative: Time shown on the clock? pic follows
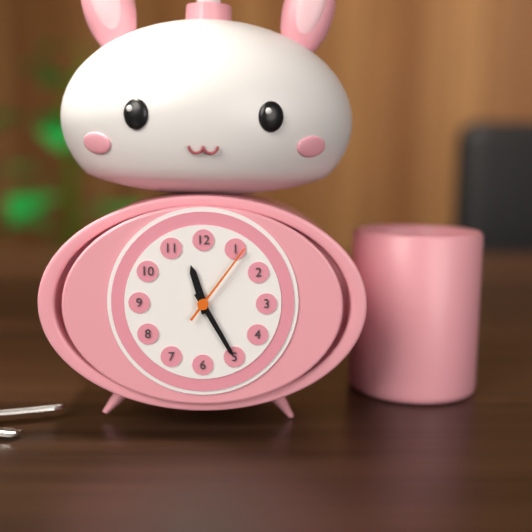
11:25:06
